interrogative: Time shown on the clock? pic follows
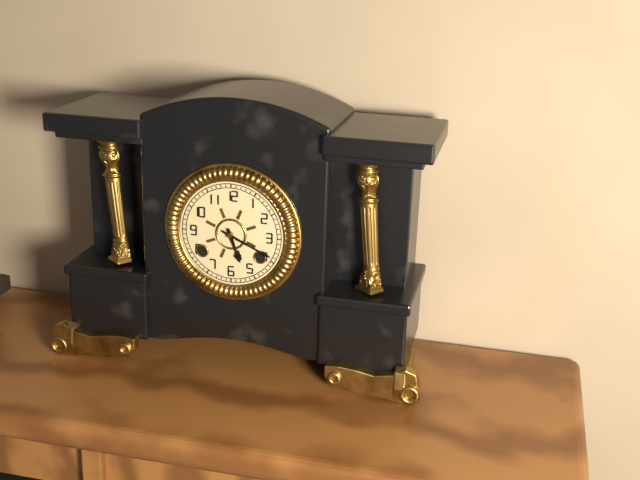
5:19
